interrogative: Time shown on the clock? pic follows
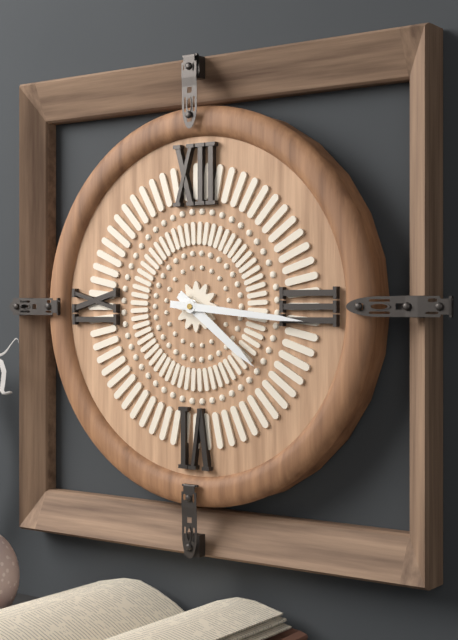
4:16
